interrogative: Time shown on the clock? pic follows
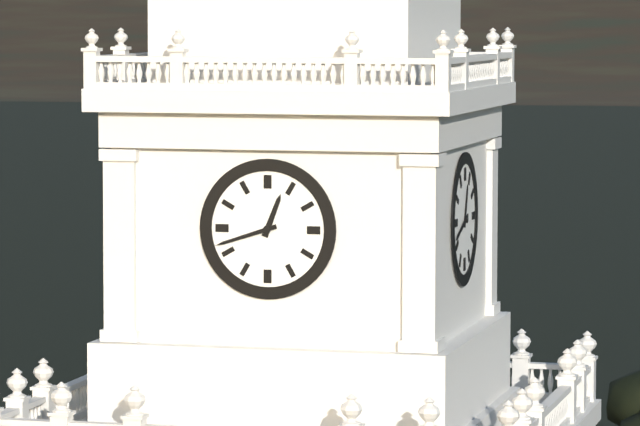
12:42
